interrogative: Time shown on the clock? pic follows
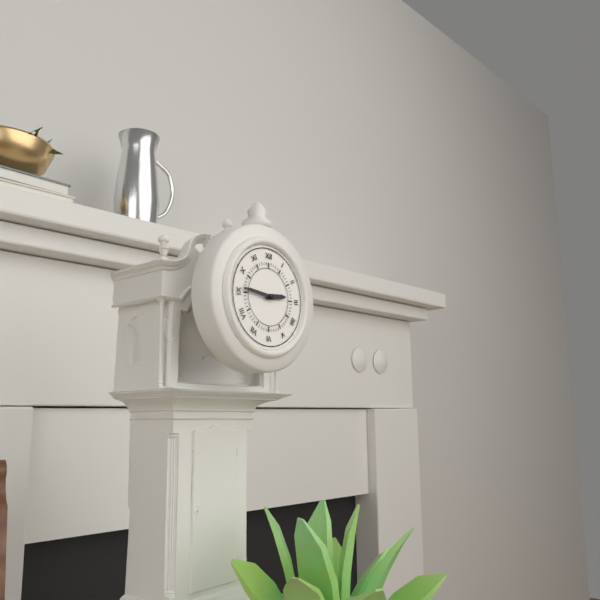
2:46
